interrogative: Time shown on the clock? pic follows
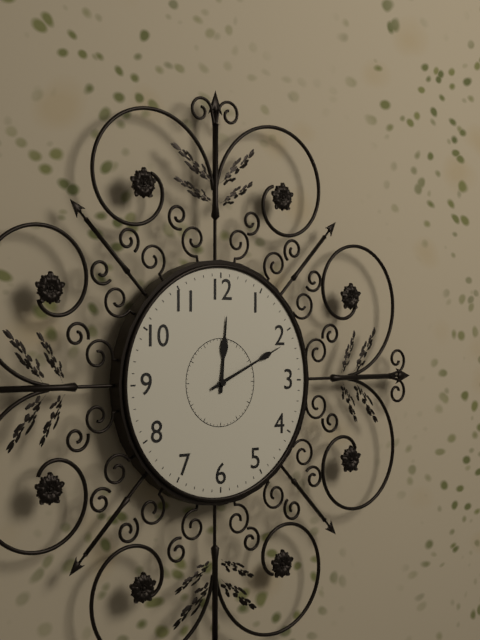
12:11
